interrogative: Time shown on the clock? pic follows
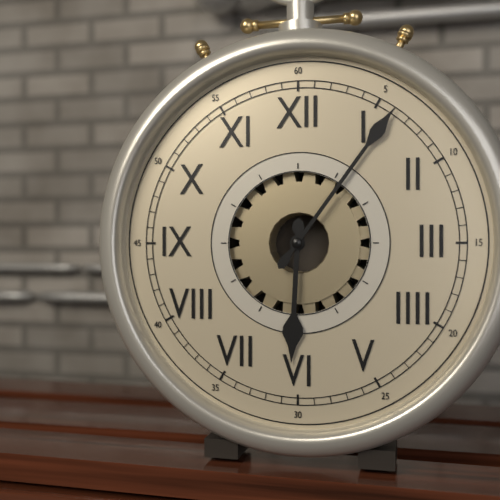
6:06
